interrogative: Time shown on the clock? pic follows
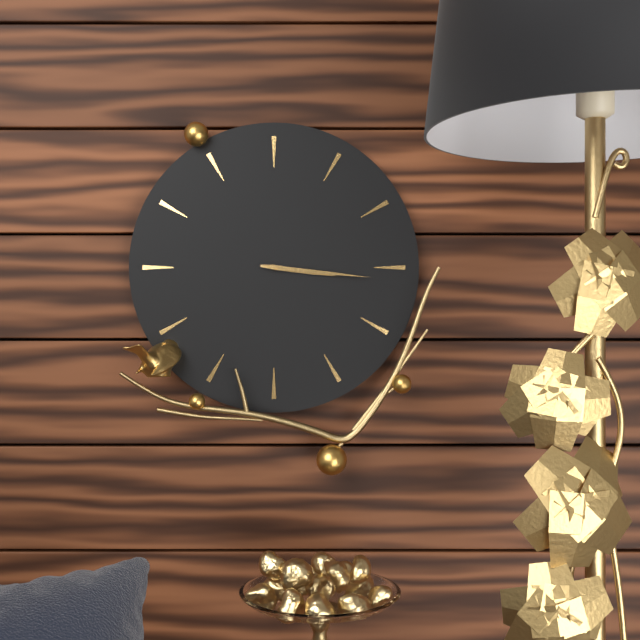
3:16
